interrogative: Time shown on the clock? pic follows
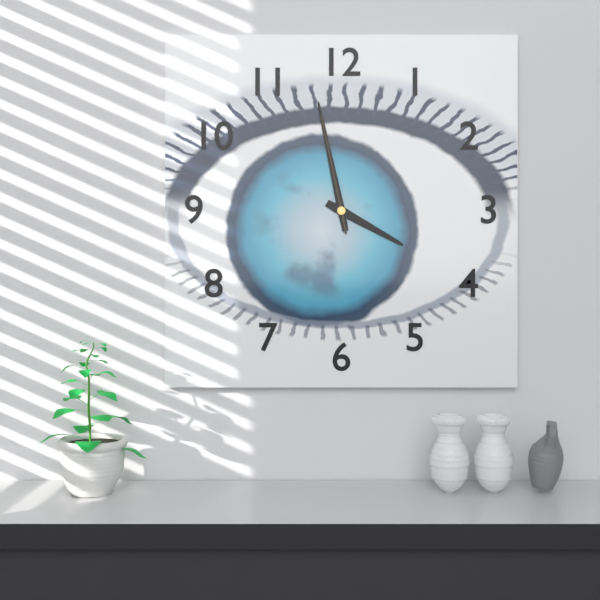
3:58:58
